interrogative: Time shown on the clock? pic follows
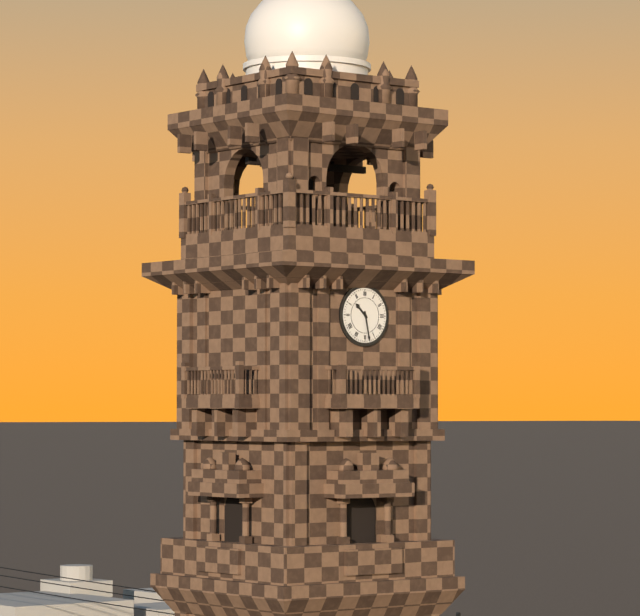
10:28
